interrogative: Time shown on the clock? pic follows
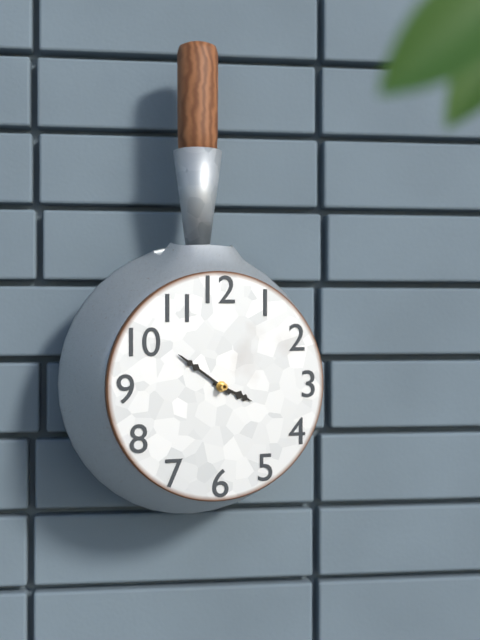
3:51
